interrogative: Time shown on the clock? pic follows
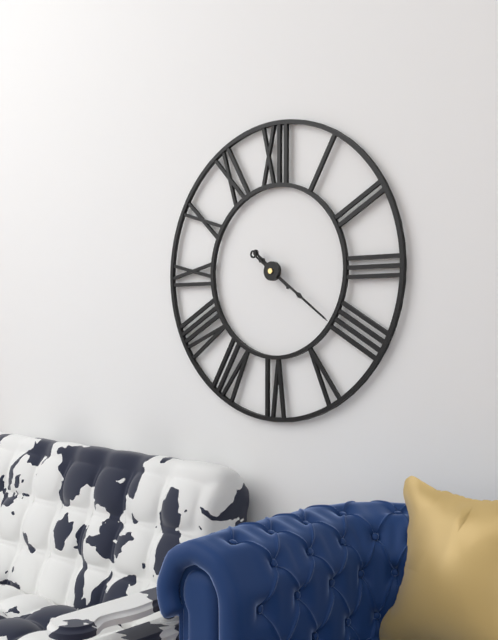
10:21
